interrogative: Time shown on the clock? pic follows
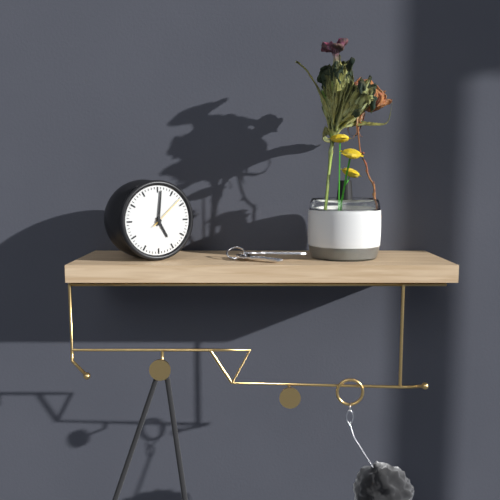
5:01
